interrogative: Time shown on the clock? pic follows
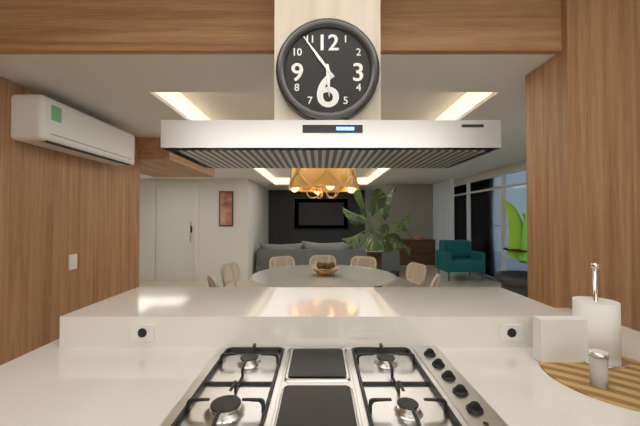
5:54
